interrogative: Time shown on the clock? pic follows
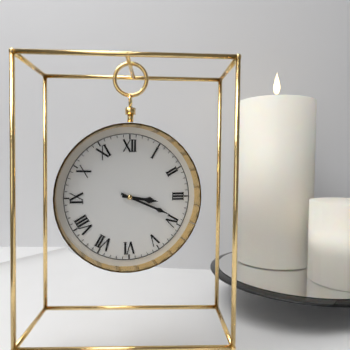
3:19
